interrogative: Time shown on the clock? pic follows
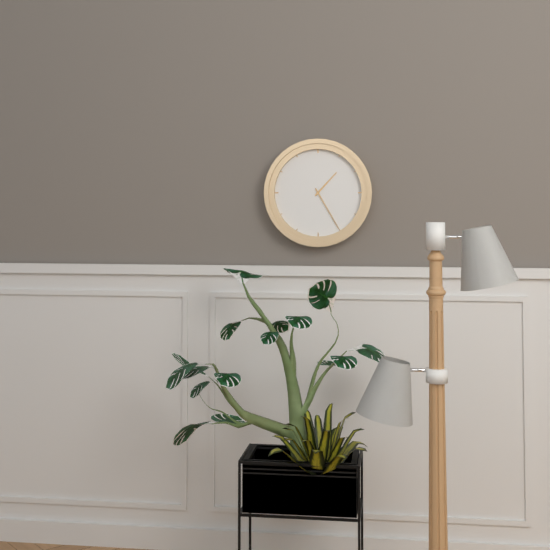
1:25
